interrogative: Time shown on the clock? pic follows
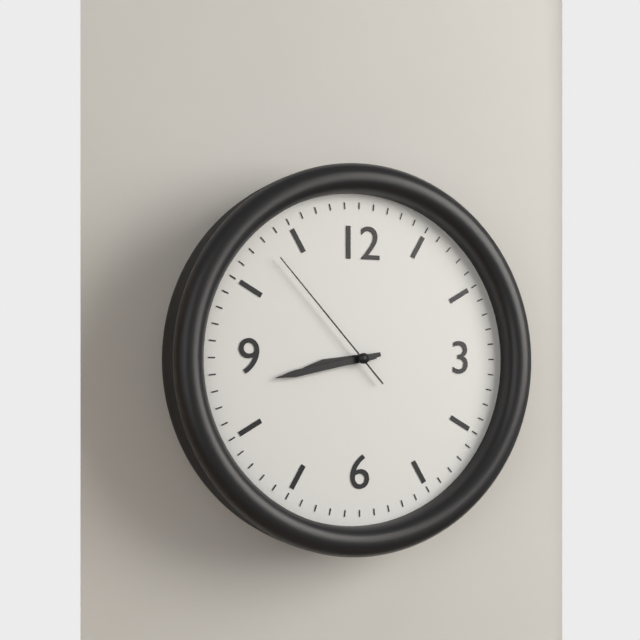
8:43:53
